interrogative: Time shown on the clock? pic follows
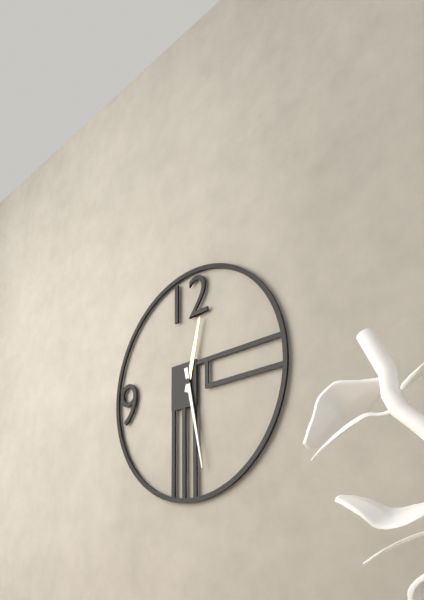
12:28
